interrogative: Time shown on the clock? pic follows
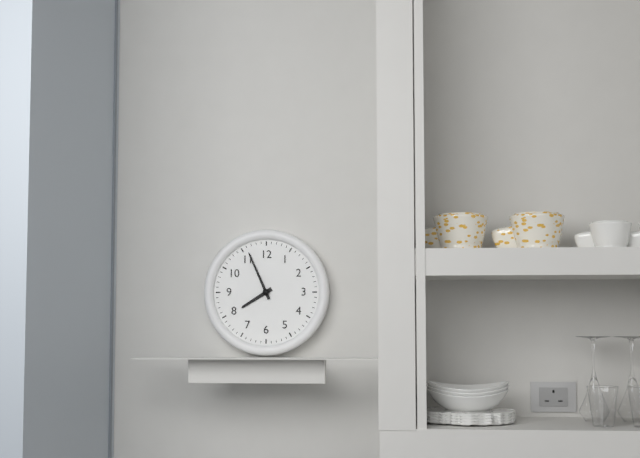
7:56
